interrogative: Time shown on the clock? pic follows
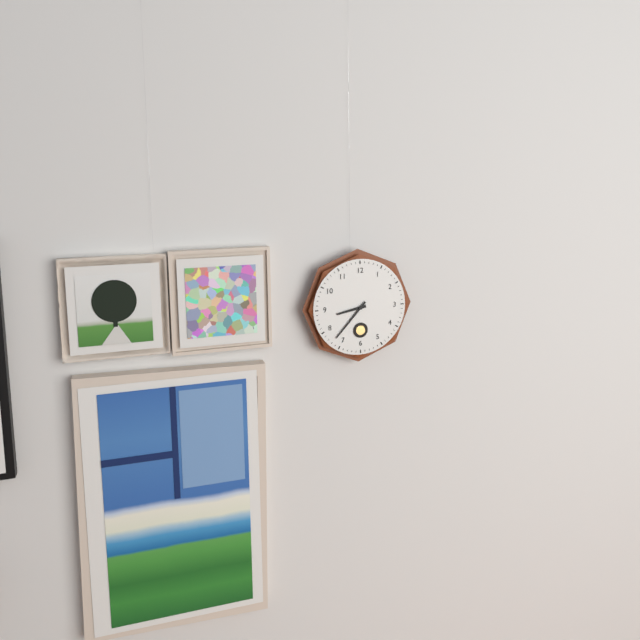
8:37
